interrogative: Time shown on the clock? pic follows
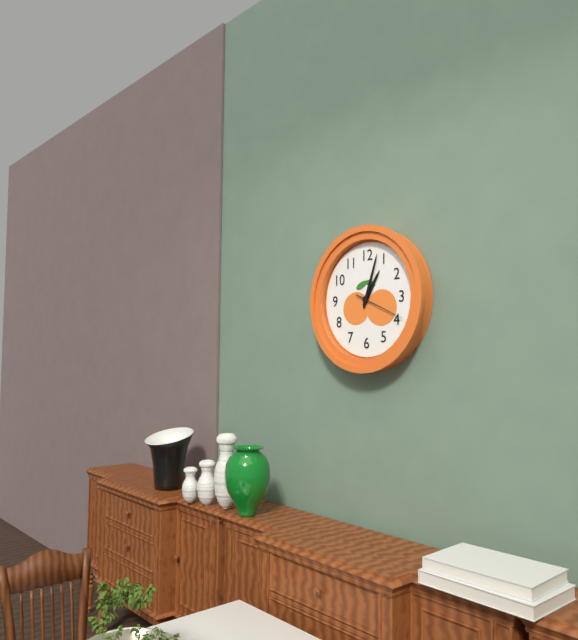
1:03:19
